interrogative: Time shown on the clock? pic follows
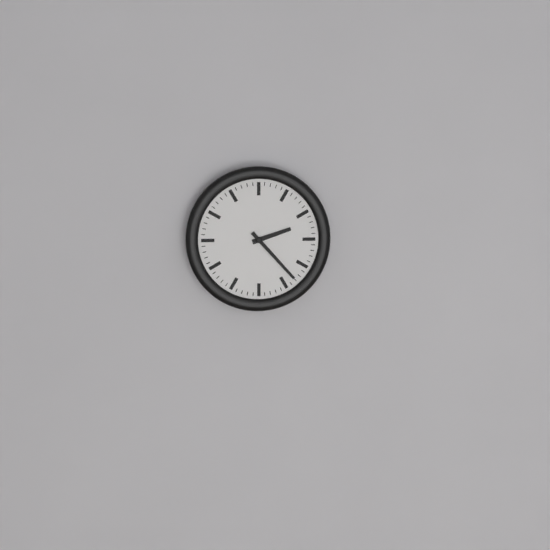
2:23
